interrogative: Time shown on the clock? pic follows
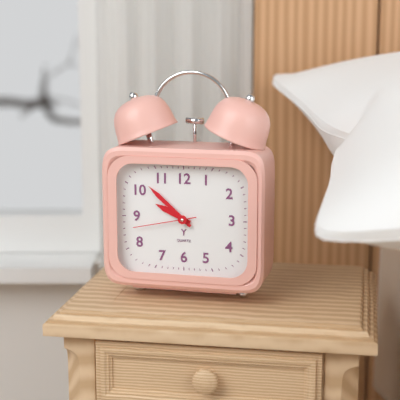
9:52:43
